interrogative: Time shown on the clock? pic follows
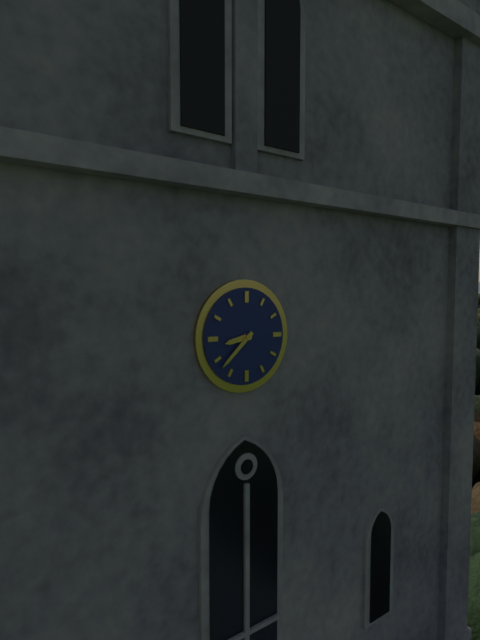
8:38
